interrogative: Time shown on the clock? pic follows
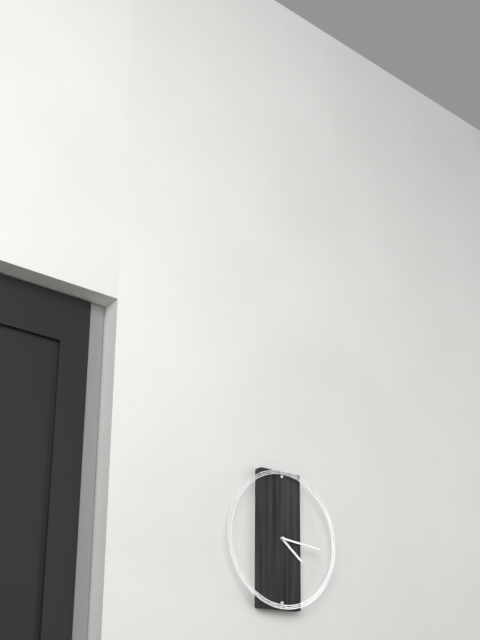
4:16
